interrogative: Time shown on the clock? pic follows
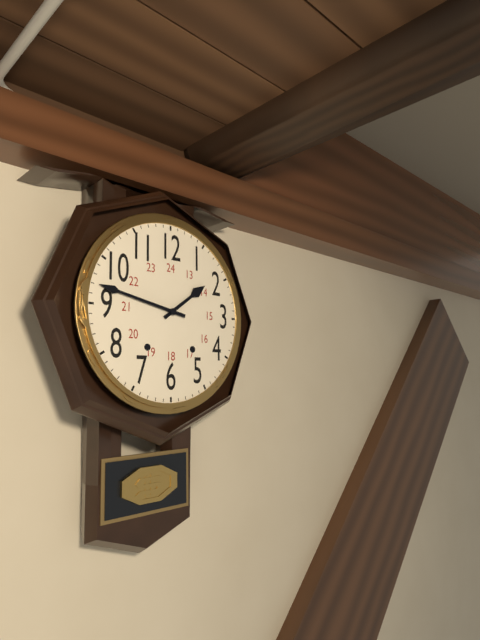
1:47
